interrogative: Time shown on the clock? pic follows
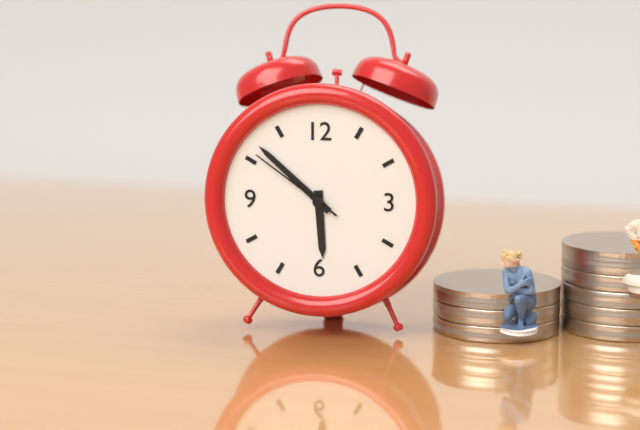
5:52:51
